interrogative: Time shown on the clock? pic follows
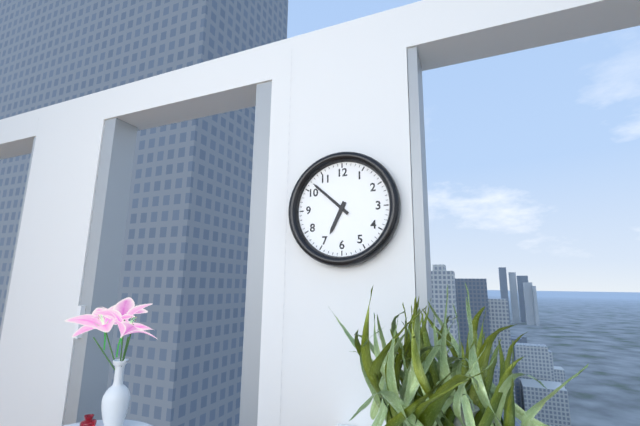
6:52
